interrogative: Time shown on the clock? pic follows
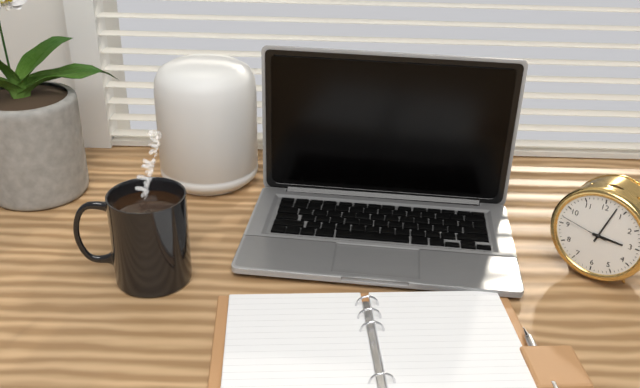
3:03:47
